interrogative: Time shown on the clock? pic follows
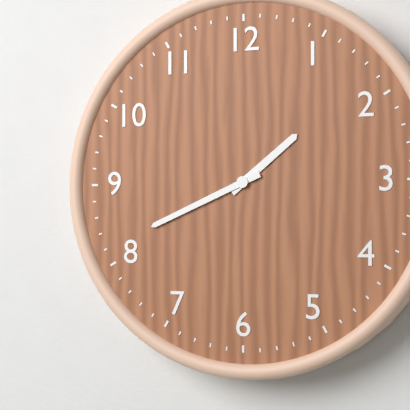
1:41
